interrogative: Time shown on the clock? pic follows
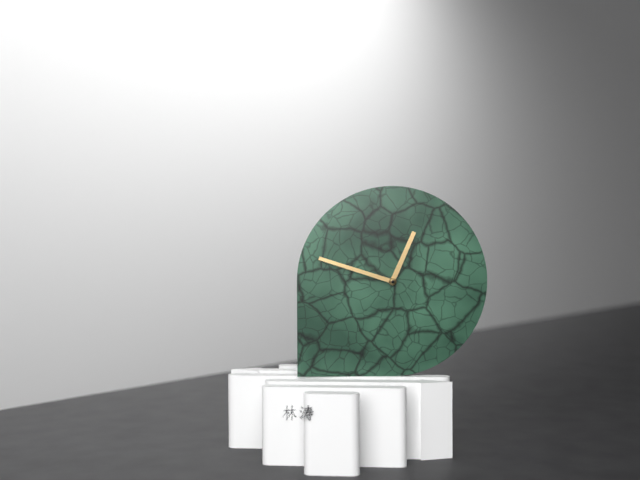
12:48
